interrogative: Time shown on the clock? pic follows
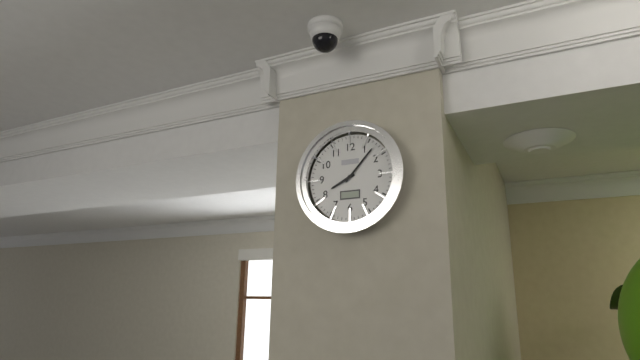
8:07
